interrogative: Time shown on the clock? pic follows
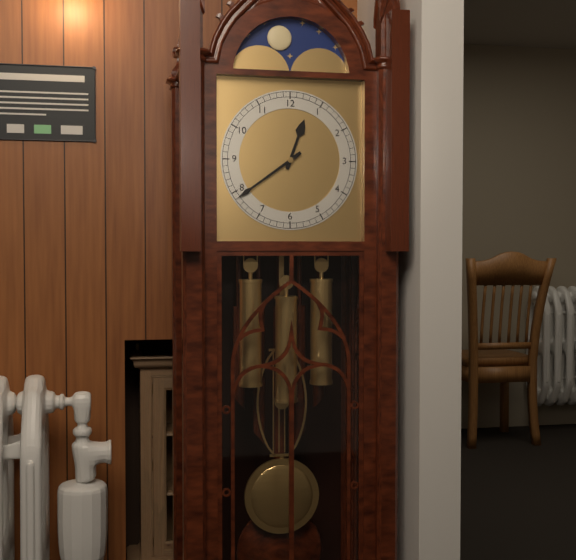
12:39
